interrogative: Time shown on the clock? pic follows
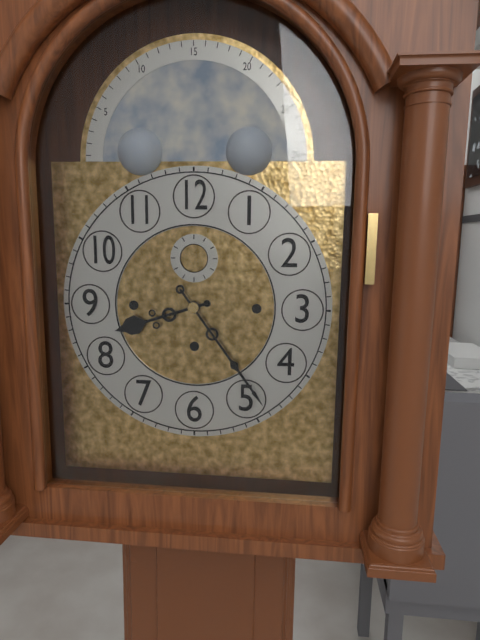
8:24
